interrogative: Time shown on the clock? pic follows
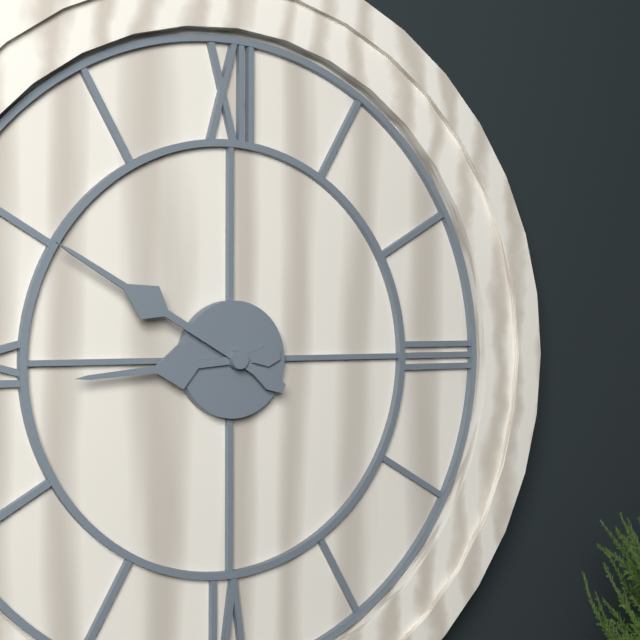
8:50
